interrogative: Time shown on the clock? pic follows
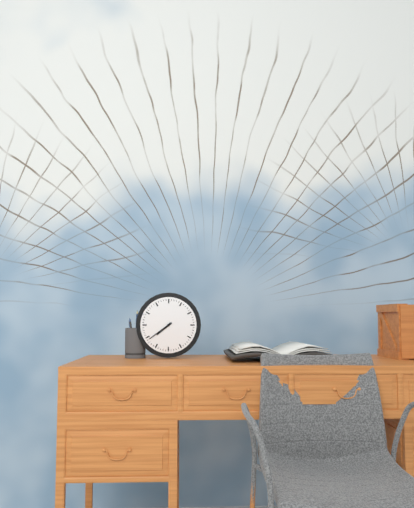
7:39
